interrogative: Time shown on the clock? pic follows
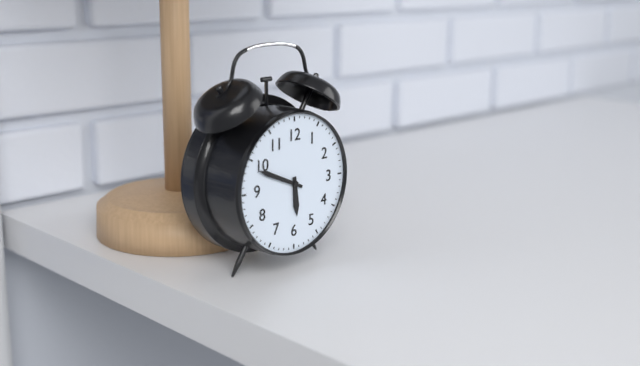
5:49
